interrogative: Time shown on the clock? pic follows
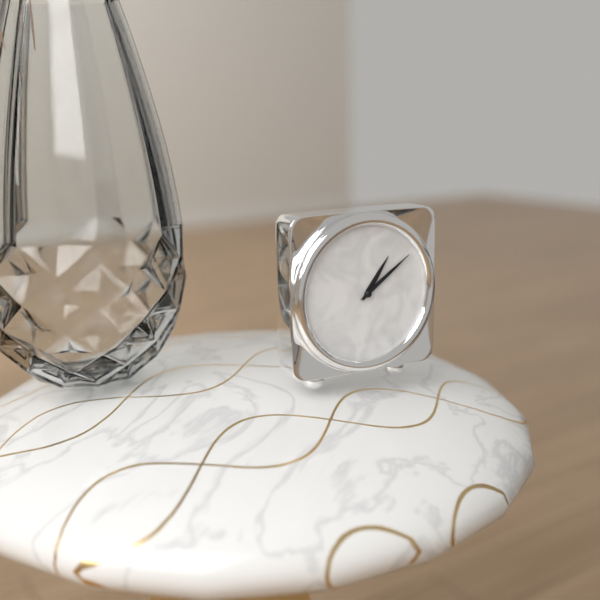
1:09
